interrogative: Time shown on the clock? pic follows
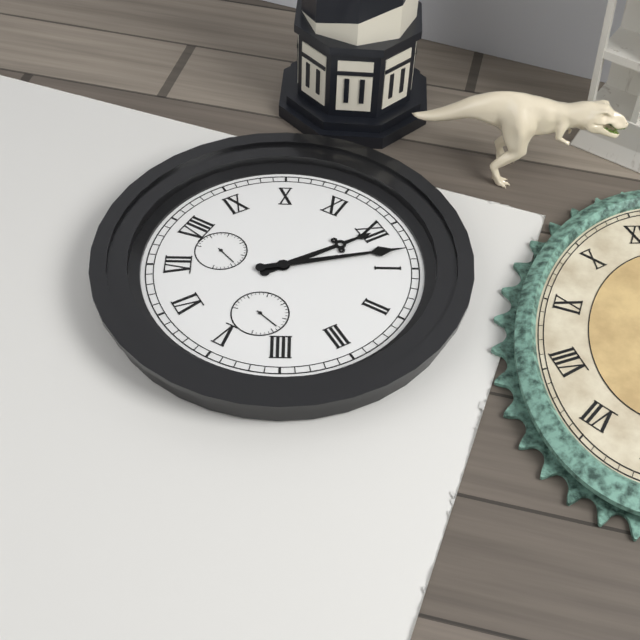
12:03
